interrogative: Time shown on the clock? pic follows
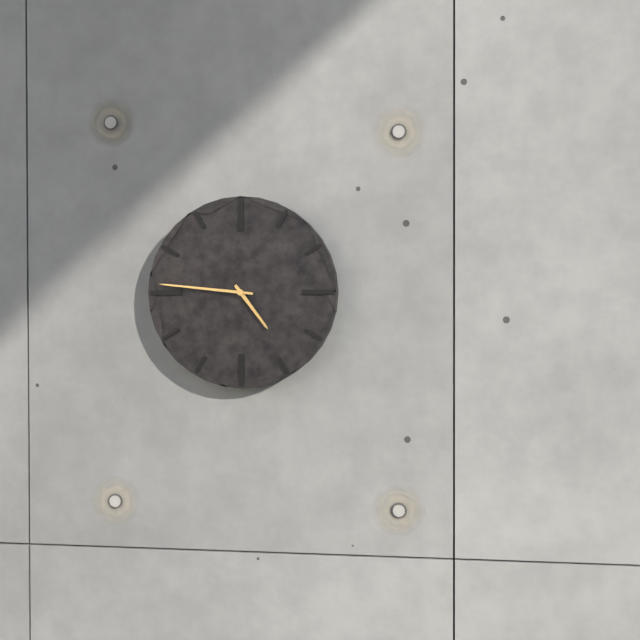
4:46
